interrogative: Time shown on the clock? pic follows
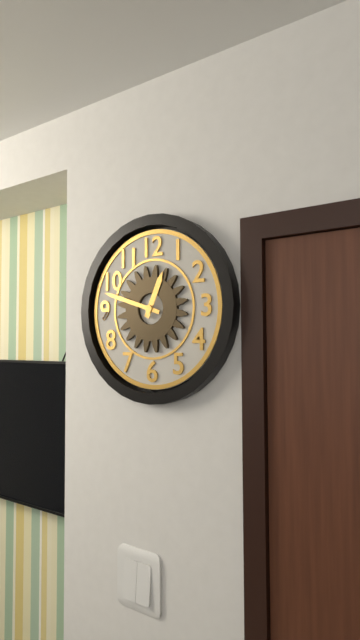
12:48
